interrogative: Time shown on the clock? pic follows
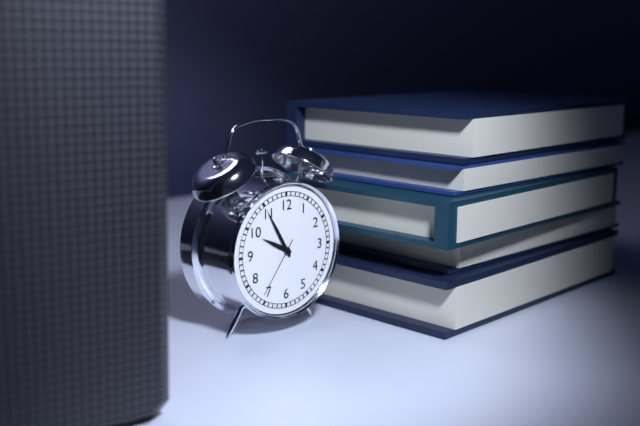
9:55:36
